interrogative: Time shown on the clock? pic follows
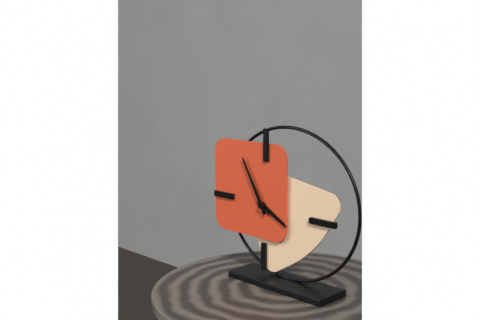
3:55
